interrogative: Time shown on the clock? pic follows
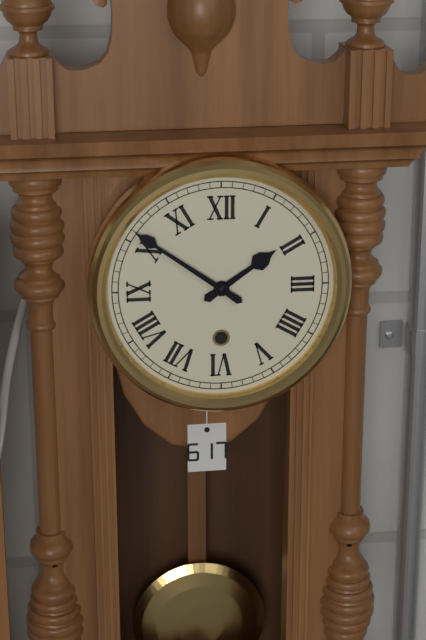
1:51
